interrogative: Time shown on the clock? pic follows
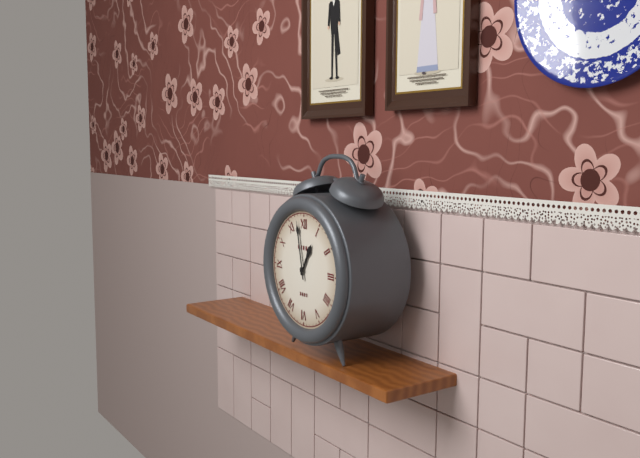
12:58
